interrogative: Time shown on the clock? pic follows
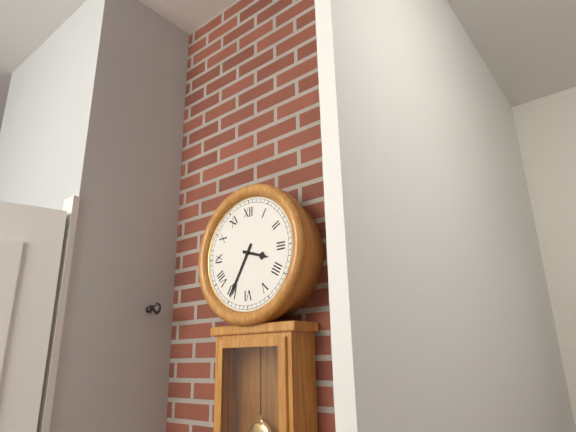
3:35
